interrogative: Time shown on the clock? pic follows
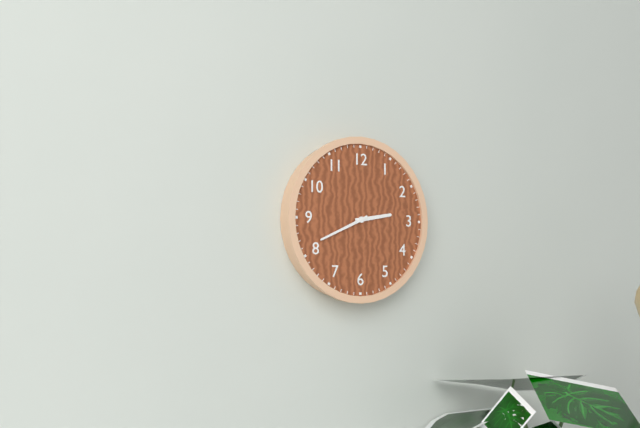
2:41
